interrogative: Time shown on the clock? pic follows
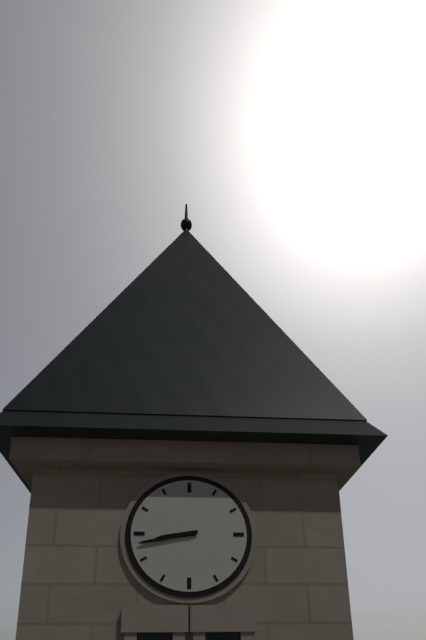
8:43
